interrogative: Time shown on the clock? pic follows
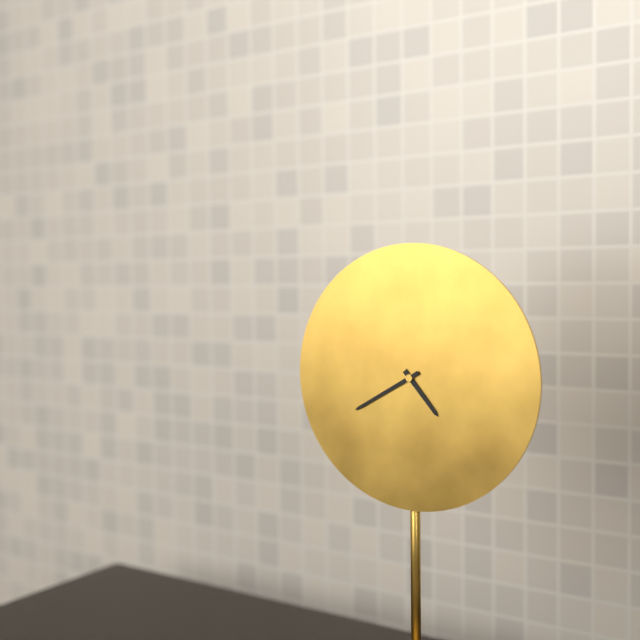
4:40
